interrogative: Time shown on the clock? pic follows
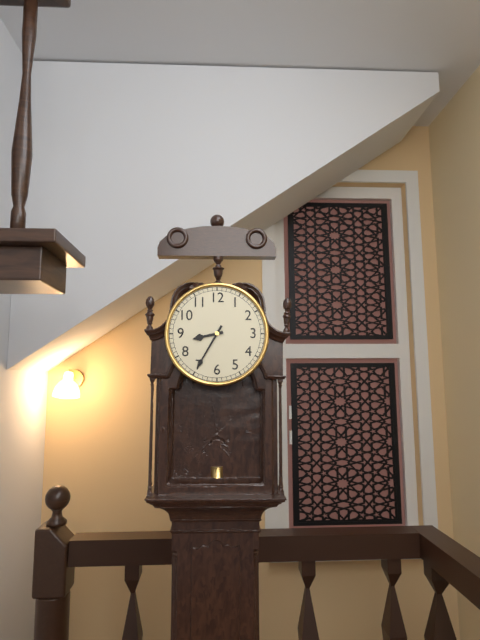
8:35
